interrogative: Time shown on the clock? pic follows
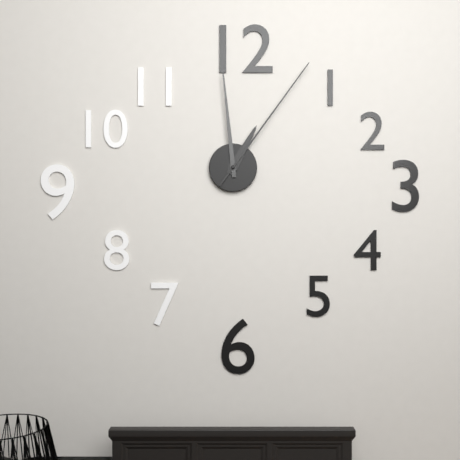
12:59:06
